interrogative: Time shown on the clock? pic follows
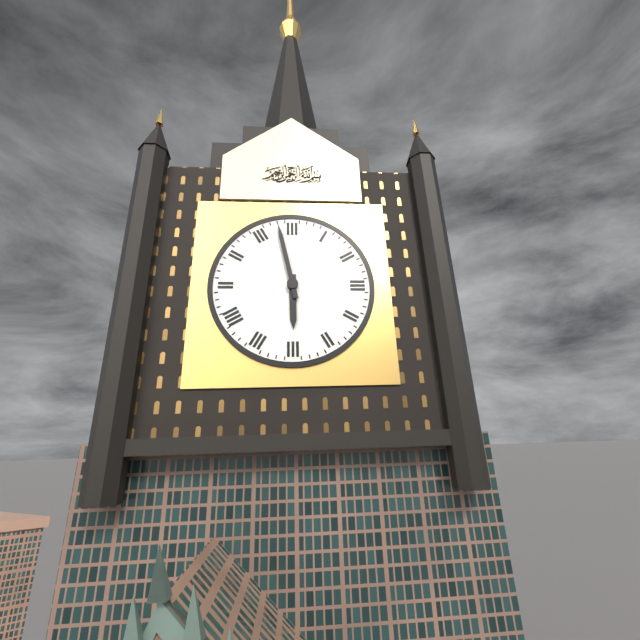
5:58
